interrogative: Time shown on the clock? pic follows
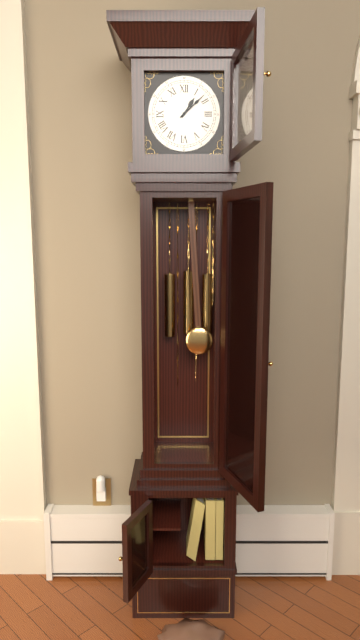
1:08
